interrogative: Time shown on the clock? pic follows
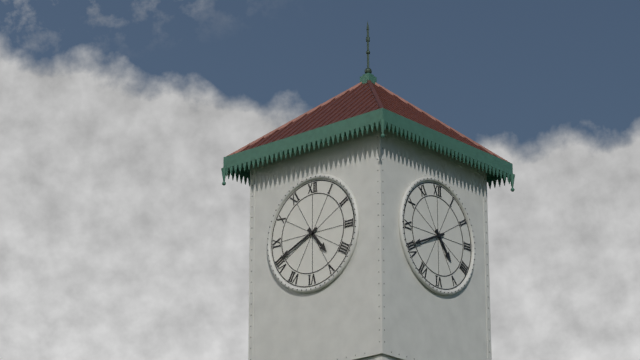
4:41
